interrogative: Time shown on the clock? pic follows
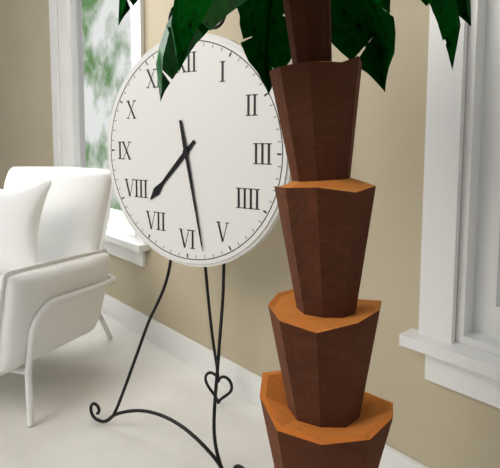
7:28
